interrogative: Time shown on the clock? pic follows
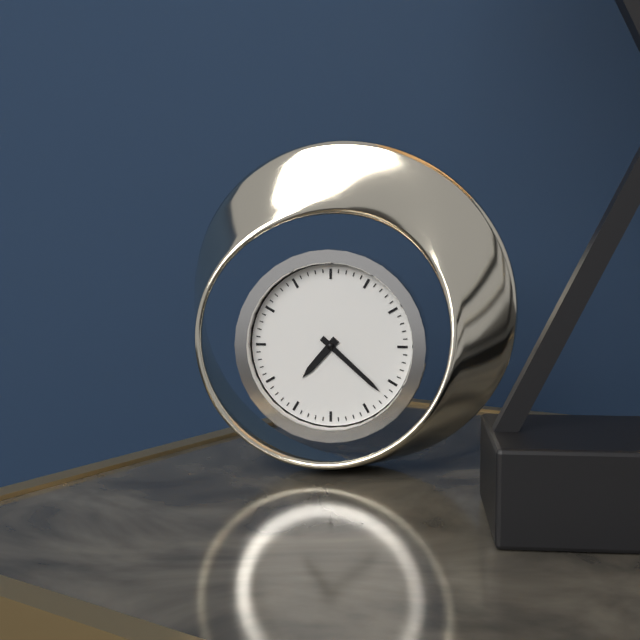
7:22
